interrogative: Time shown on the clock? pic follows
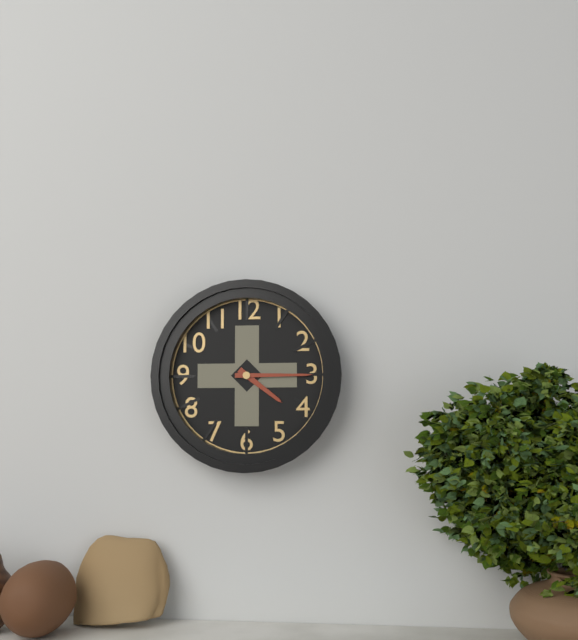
4:15
